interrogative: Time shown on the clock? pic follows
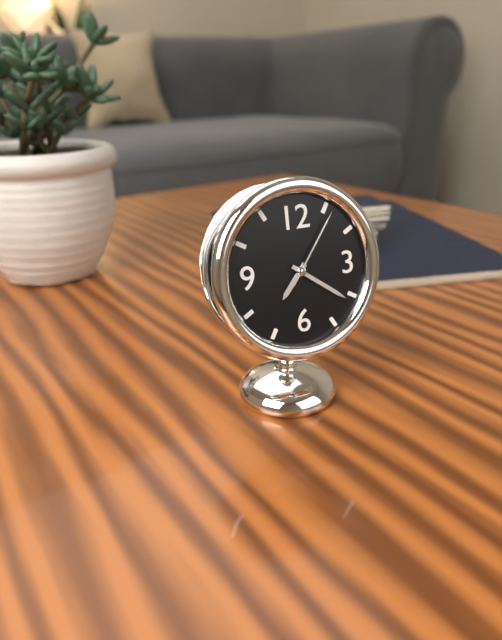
7:21:06
